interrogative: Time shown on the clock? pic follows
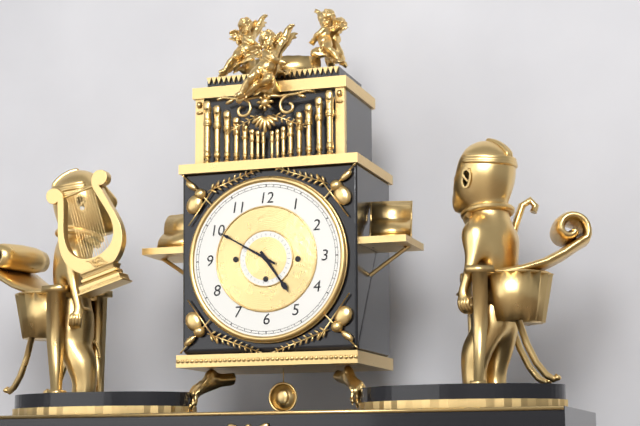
4:50
